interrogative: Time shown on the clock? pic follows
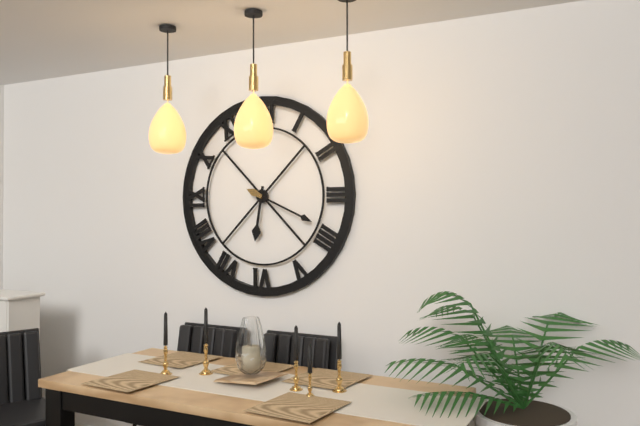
6:19
